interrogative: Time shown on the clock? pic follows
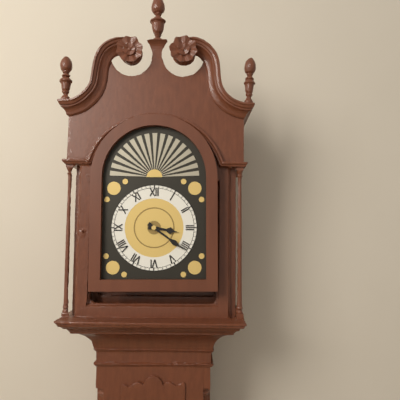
3:21
